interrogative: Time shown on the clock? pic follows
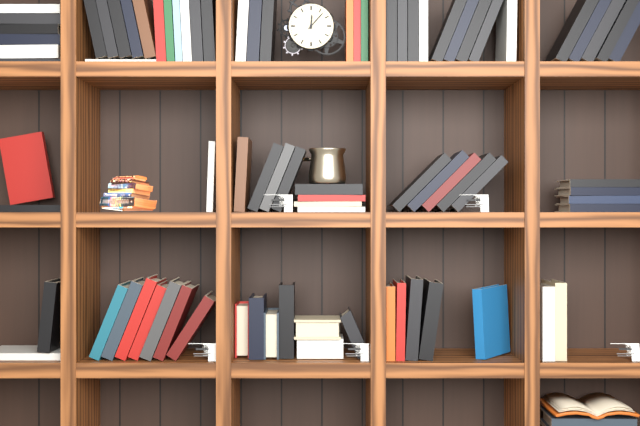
12:07
